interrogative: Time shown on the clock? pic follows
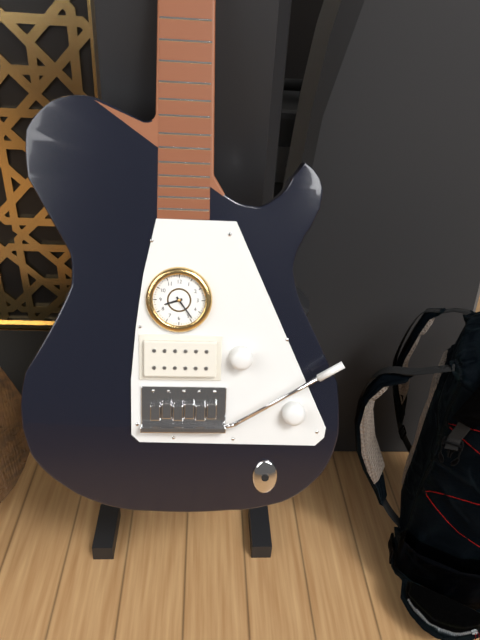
8:24
